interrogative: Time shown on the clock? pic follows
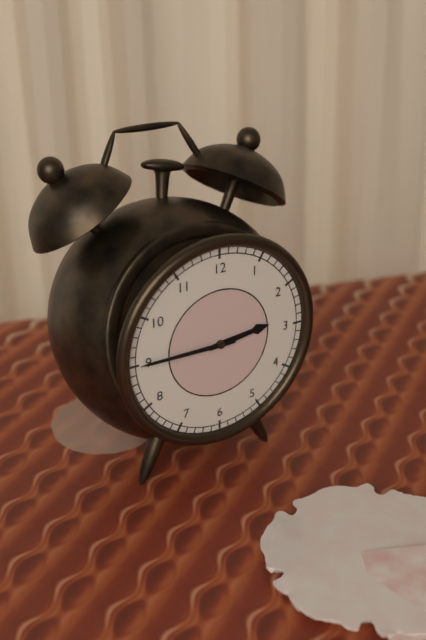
2:45
